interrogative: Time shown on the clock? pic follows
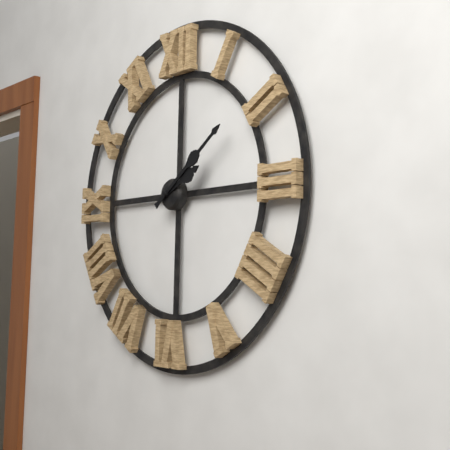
2:09
